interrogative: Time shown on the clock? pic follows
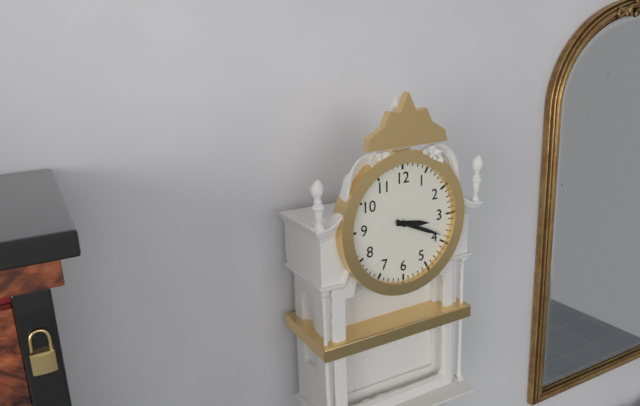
3:19
